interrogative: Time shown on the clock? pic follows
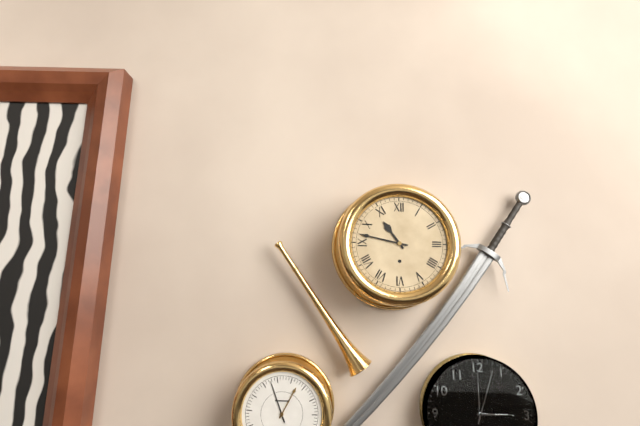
10:47
